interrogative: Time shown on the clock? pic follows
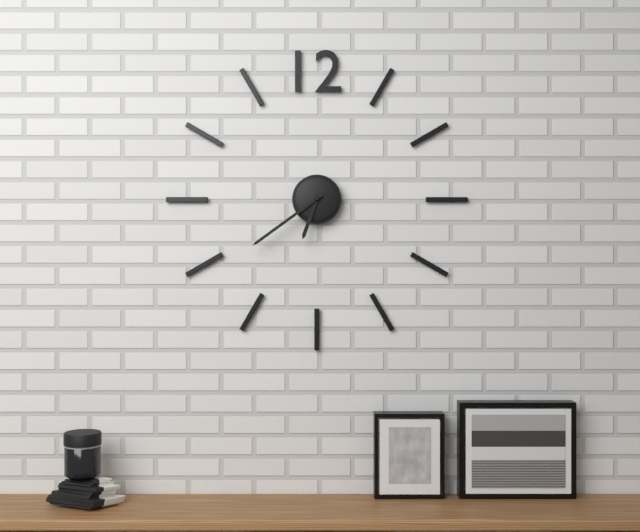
6:39
